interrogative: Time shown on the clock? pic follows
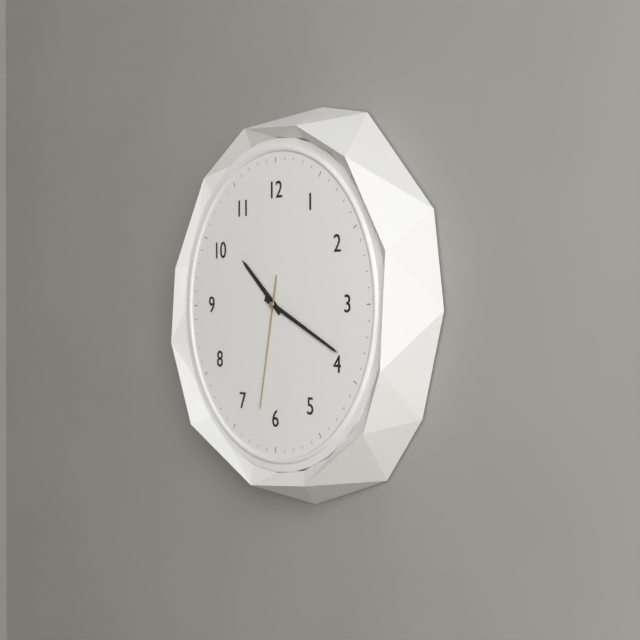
10:19:32
